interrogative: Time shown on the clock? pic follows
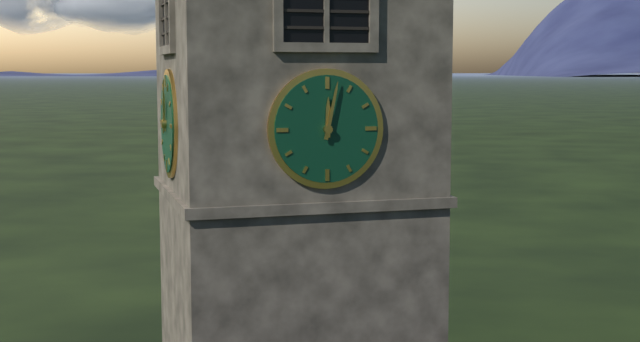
12:02
